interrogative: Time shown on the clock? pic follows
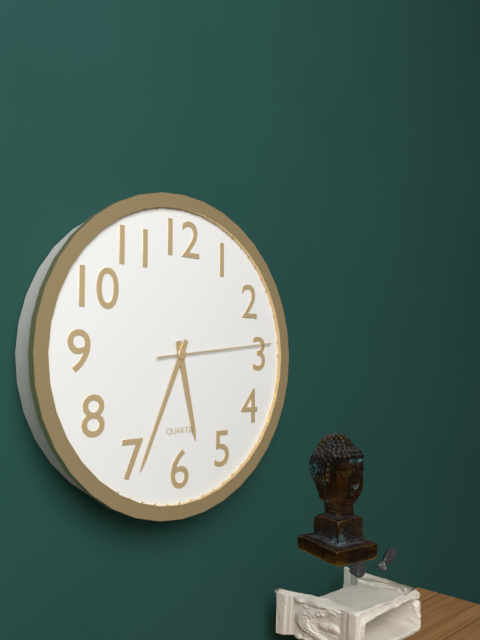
5:34:14
